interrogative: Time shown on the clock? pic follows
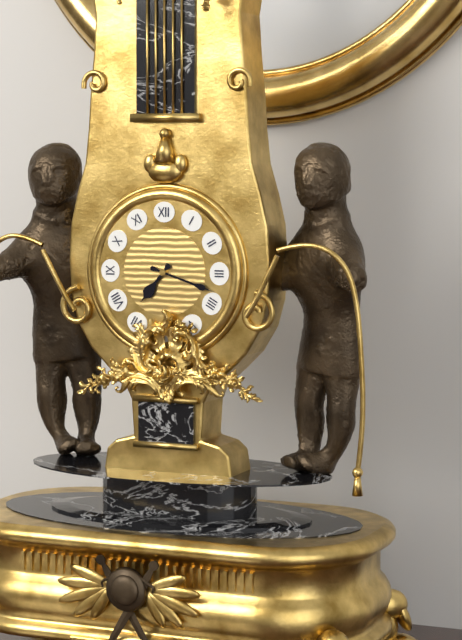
7:18
